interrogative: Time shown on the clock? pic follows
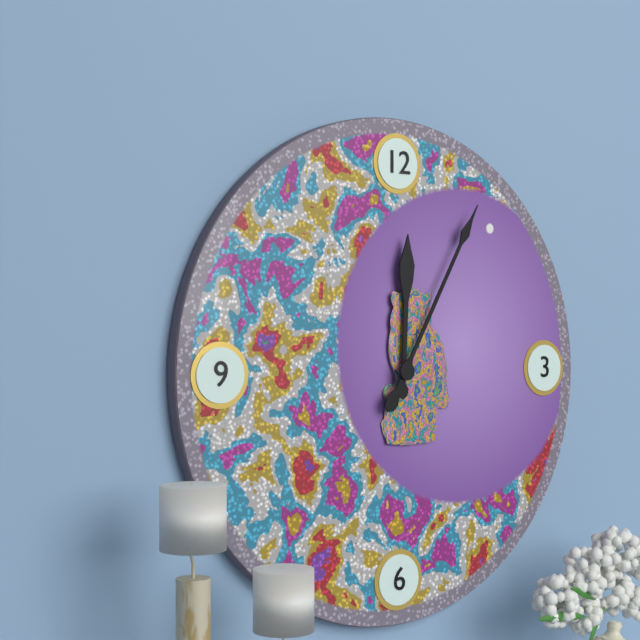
12:05
